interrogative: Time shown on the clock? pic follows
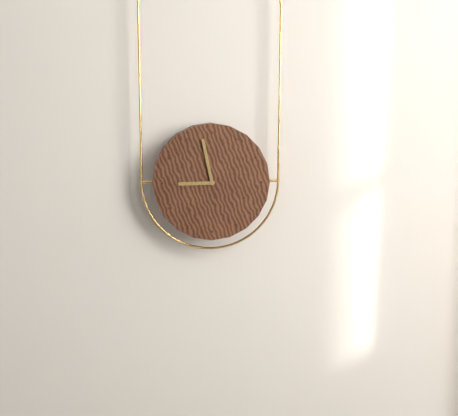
8:58
